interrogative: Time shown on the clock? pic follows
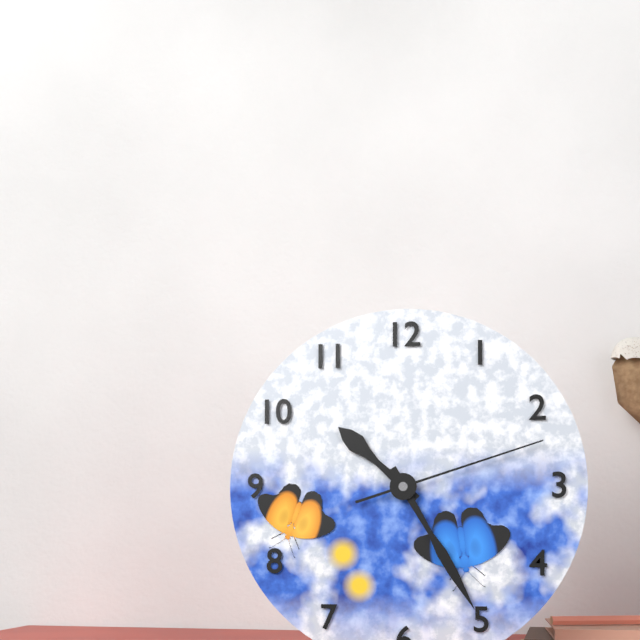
10:25:12
